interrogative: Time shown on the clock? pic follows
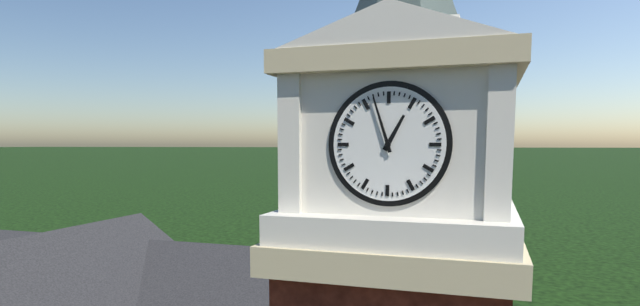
12:57
